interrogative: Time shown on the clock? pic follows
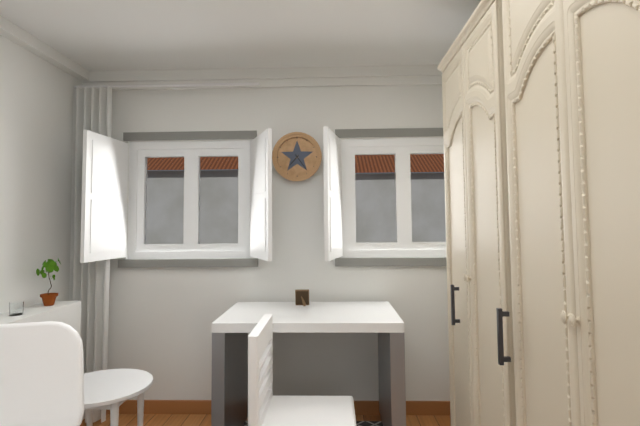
7:24
